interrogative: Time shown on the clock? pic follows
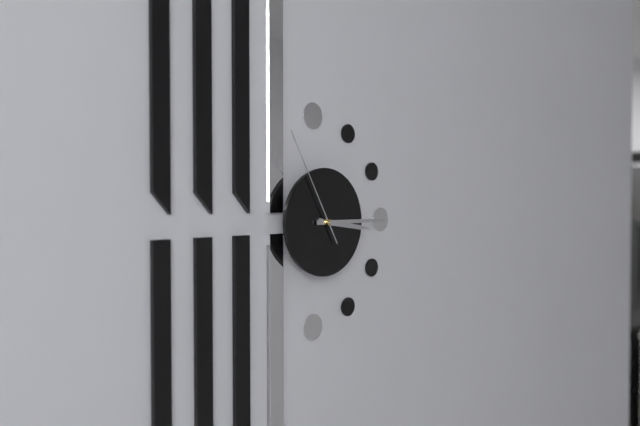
3:15:55
